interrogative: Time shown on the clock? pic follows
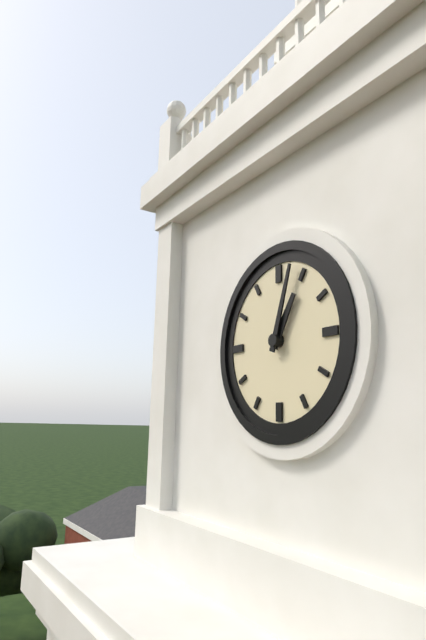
1:03
